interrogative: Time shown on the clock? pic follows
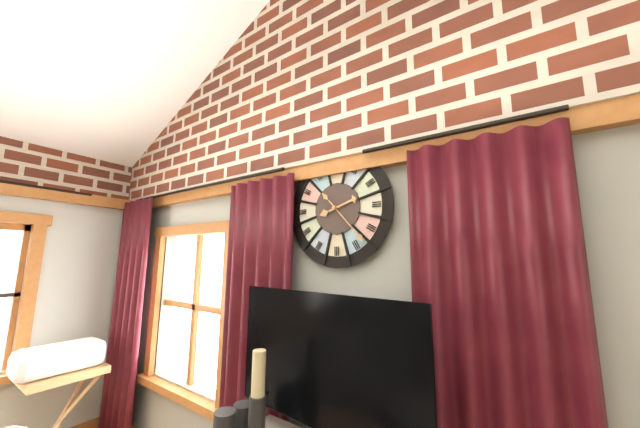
2:23
